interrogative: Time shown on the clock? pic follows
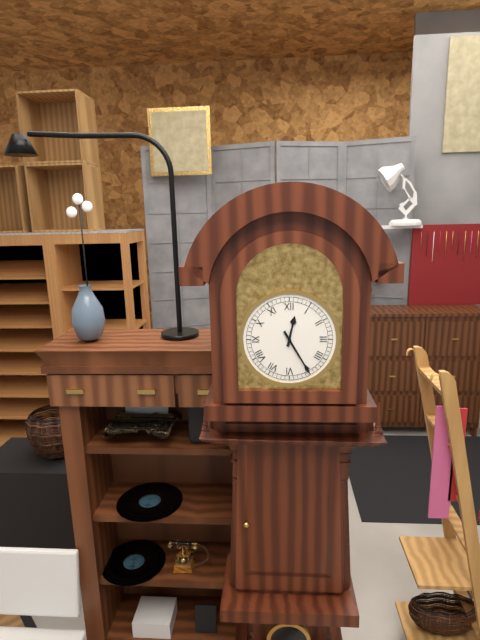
12:25
